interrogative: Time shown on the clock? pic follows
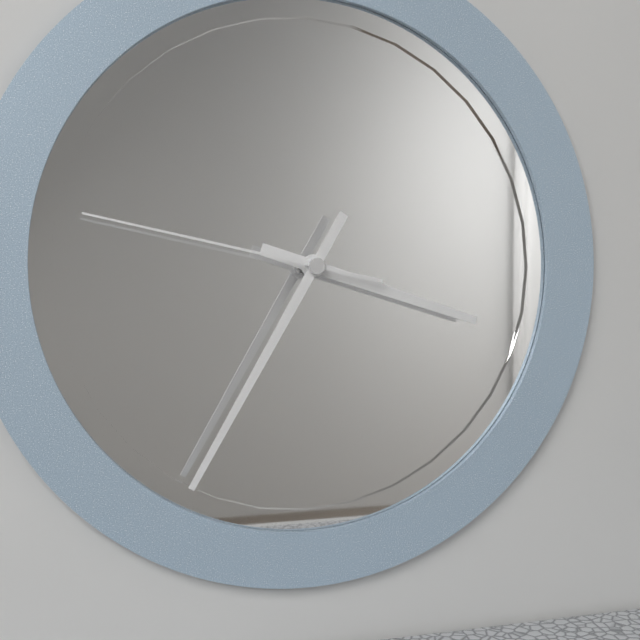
3:35:47
